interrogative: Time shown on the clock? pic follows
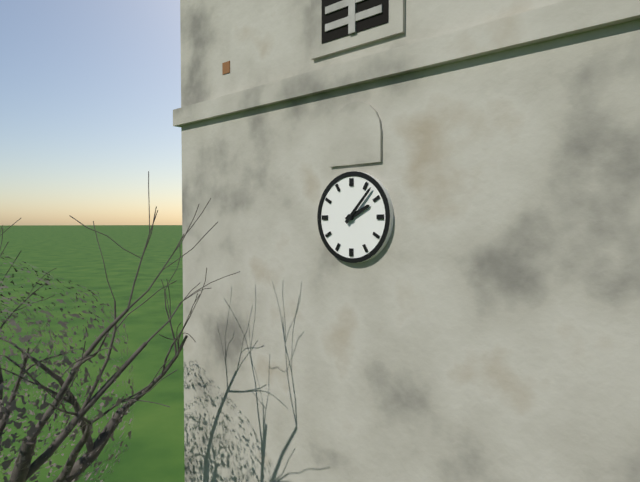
2:07
